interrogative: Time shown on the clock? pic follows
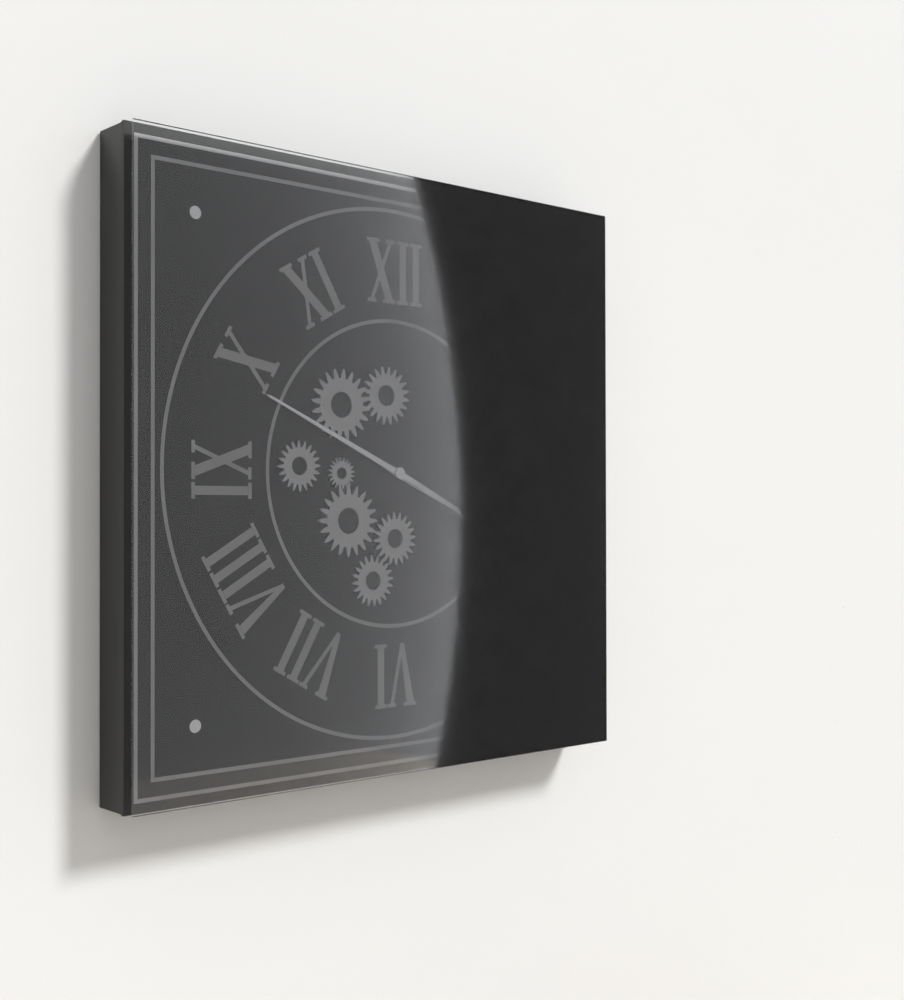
3:49
